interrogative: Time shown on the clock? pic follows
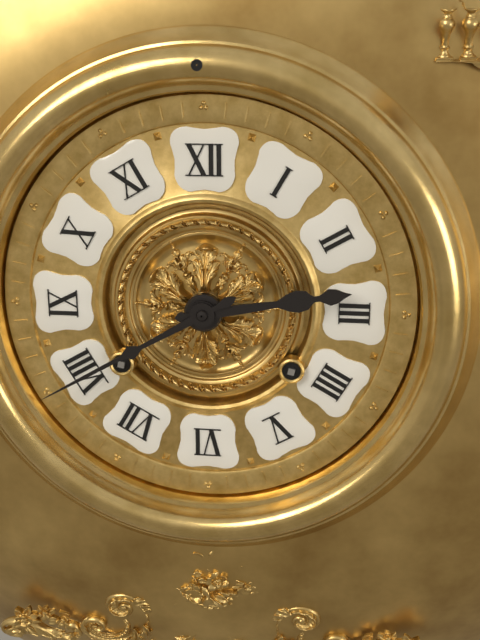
2:40
